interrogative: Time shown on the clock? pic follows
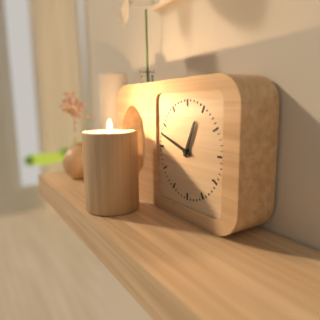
12:48
